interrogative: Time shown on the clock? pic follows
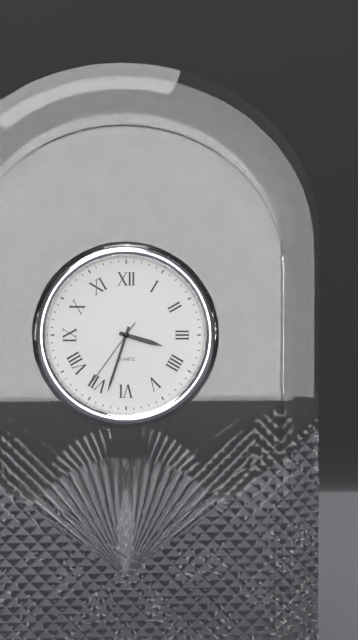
3:33:36
